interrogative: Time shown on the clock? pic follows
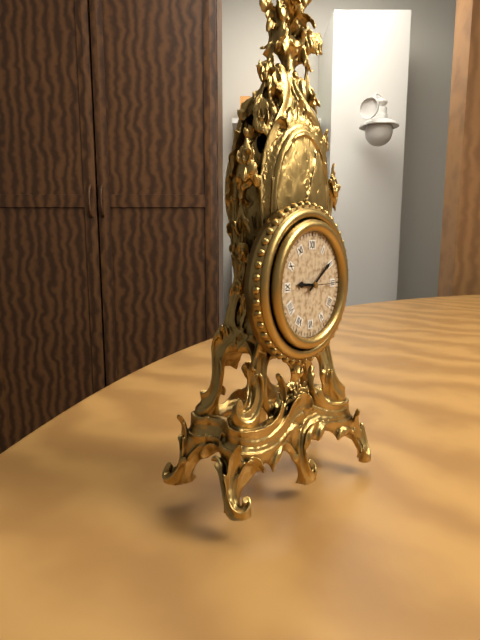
9:09
